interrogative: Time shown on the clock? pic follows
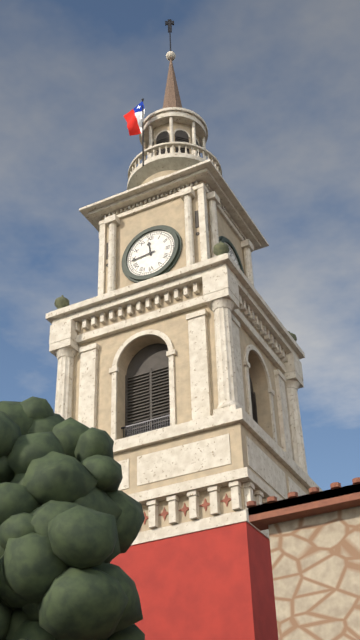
11:44
